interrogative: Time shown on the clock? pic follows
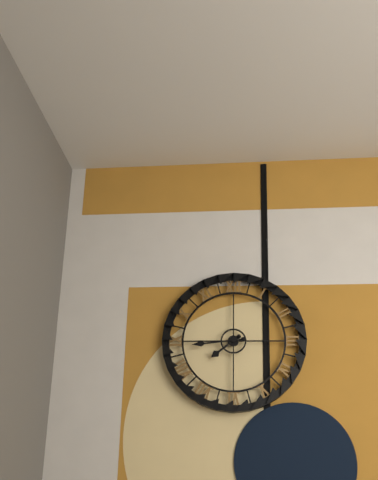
7:44
